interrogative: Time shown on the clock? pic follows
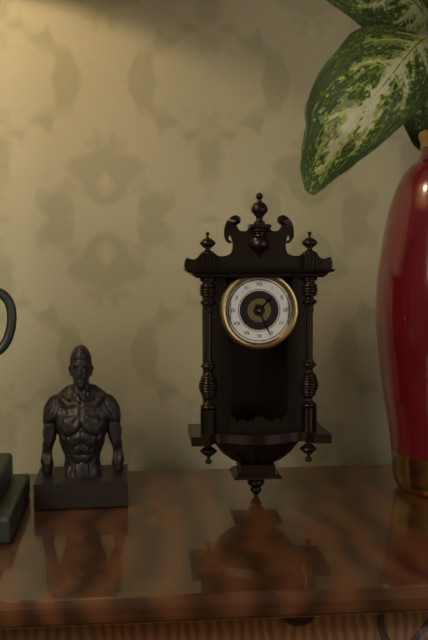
1:26
